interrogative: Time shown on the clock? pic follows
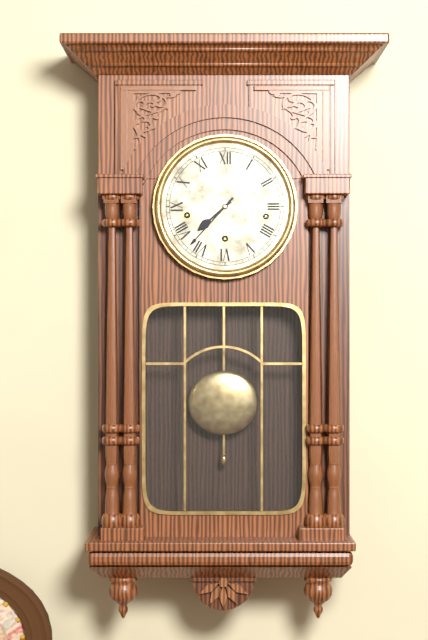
7:37
